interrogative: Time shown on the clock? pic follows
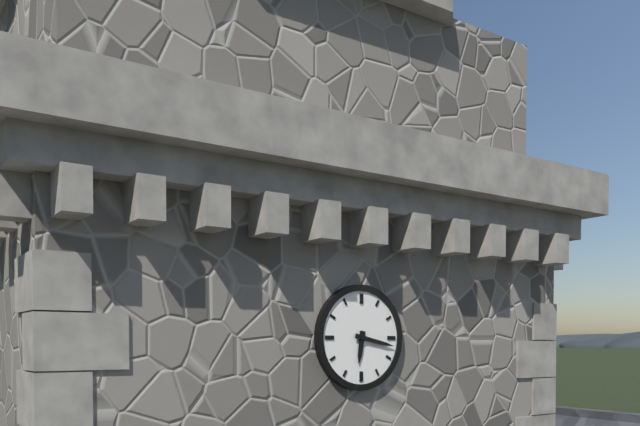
6:17
